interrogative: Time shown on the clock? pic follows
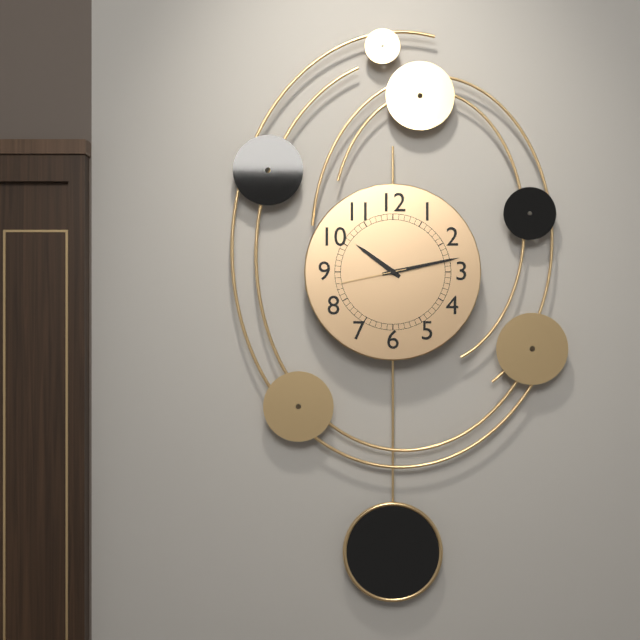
10:13:43
